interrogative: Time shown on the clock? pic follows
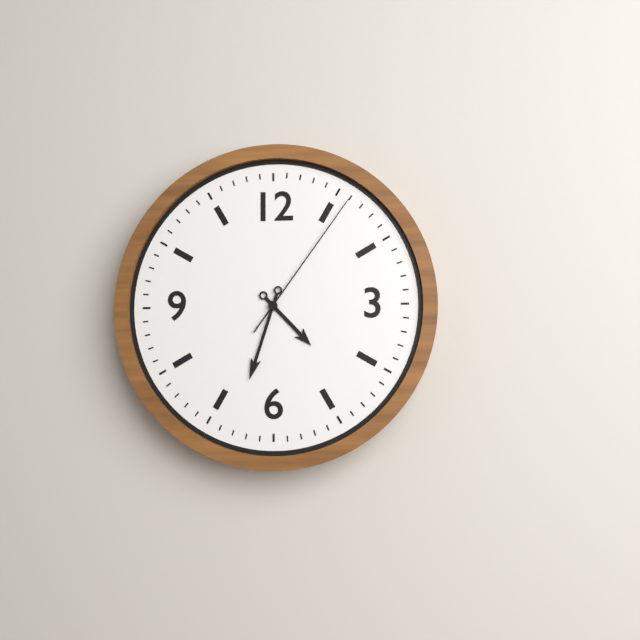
4:33:06
